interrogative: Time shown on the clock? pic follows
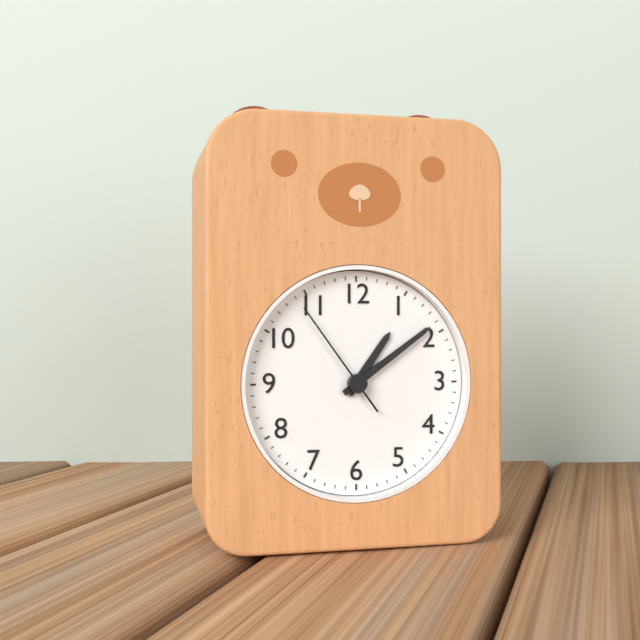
1:09:54
